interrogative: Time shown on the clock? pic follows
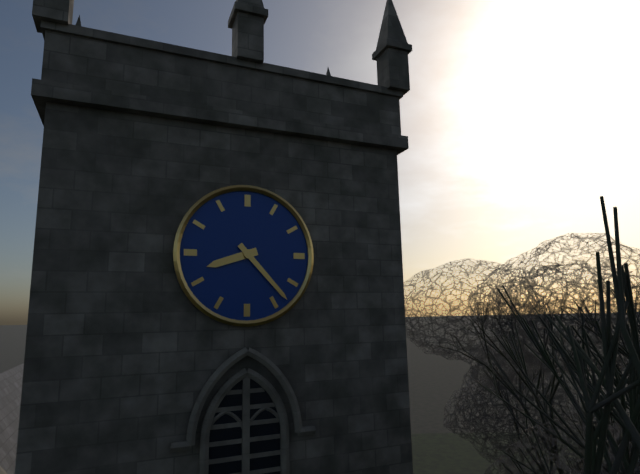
8:23
